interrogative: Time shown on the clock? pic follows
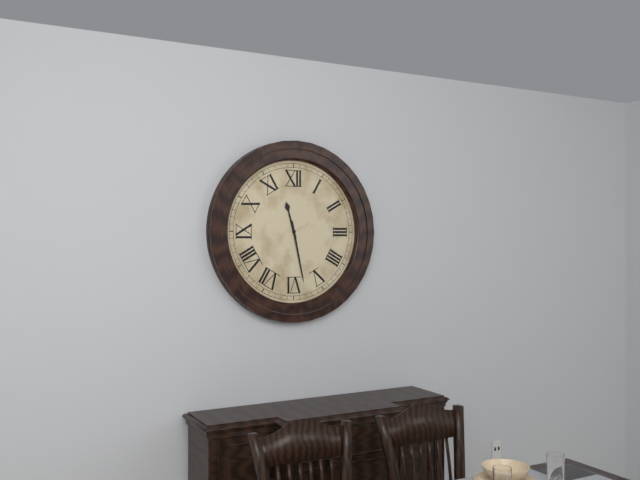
11:28
